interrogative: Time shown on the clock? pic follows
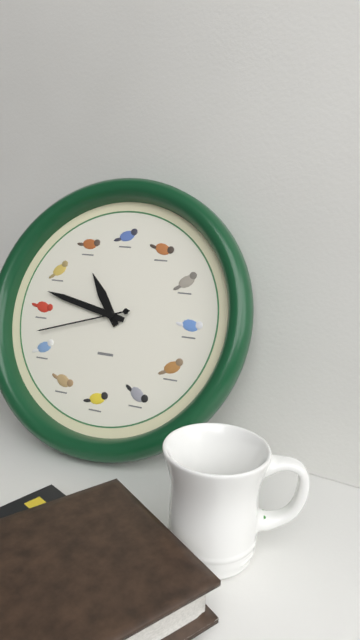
10:47:42
